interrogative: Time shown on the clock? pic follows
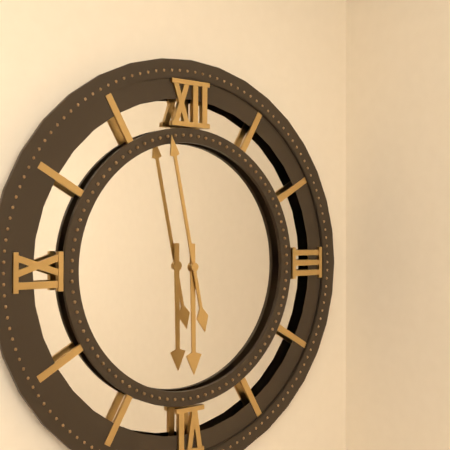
5:58
